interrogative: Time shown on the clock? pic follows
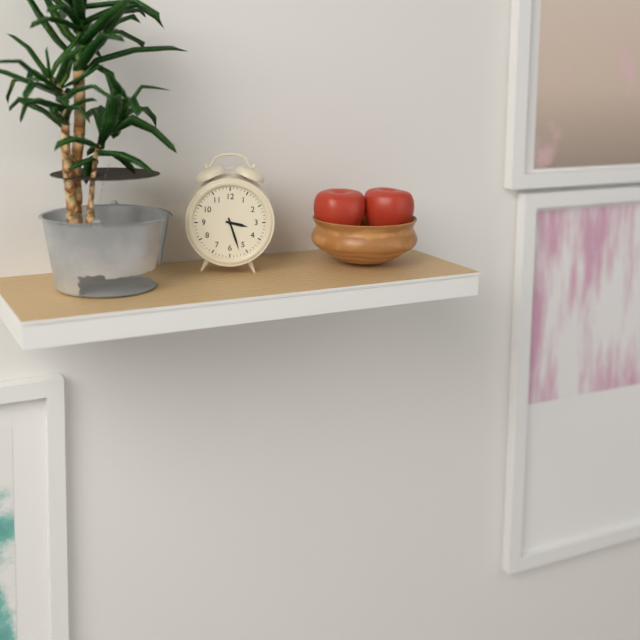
3:27
